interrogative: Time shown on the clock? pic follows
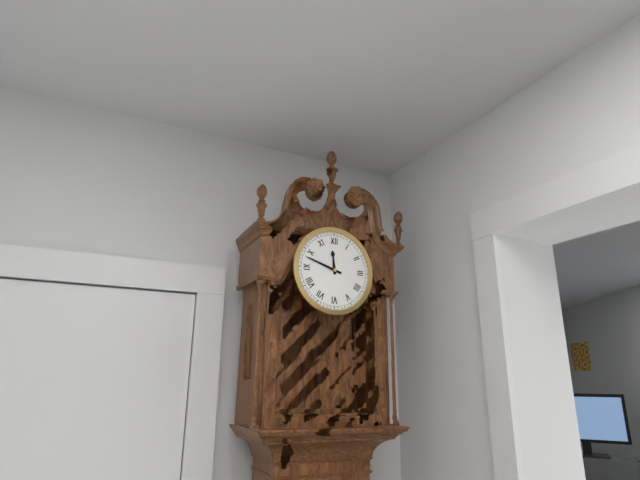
11:48
